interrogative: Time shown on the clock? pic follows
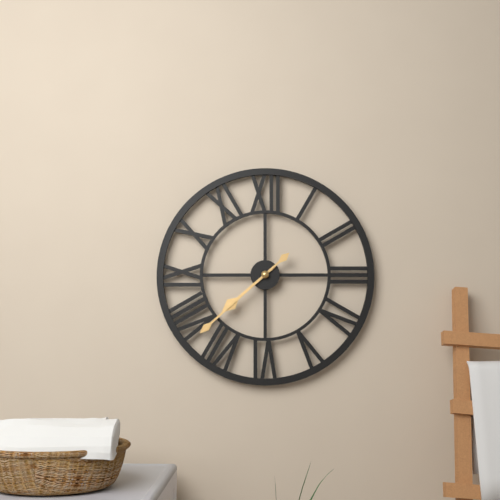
7:38
